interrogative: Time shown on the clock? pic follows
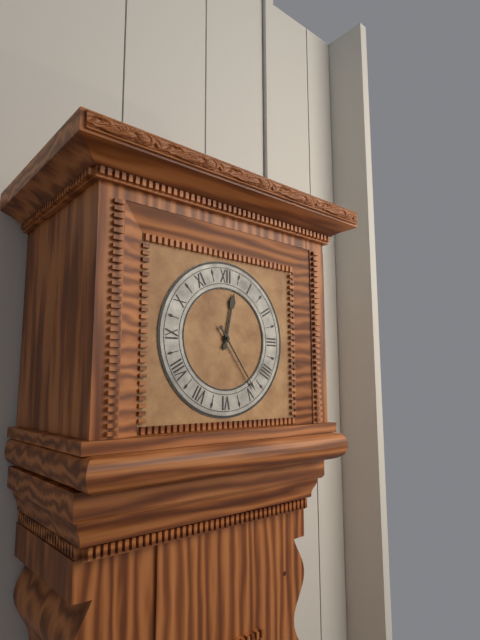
12:24
